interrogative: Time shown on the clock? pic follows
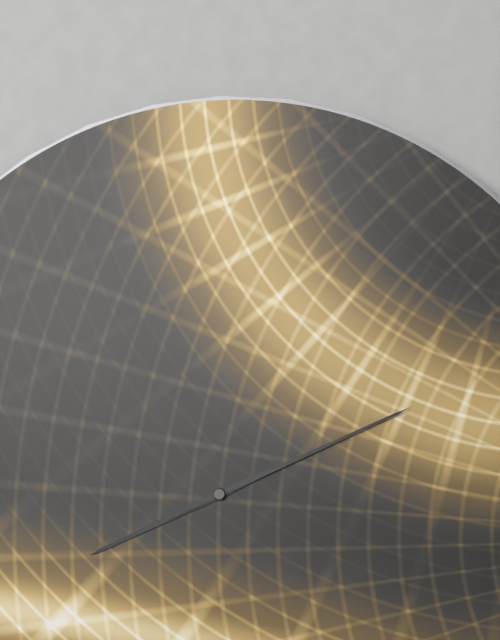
8:11
